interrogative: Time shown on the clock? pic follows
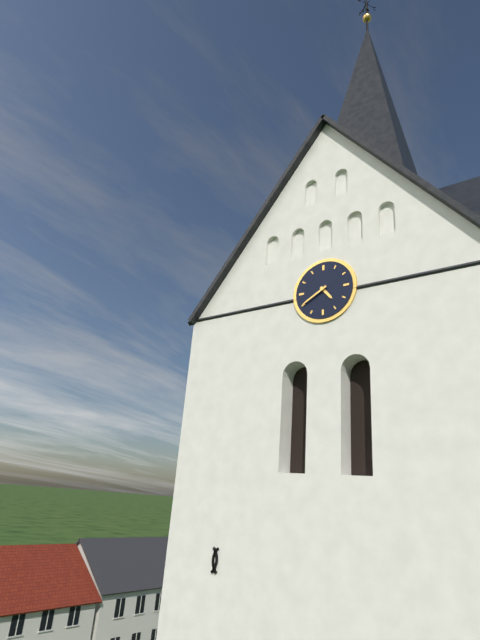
4:40
